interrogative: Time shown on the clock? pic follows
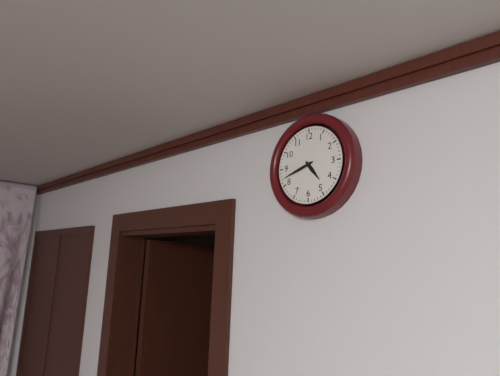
4:42
